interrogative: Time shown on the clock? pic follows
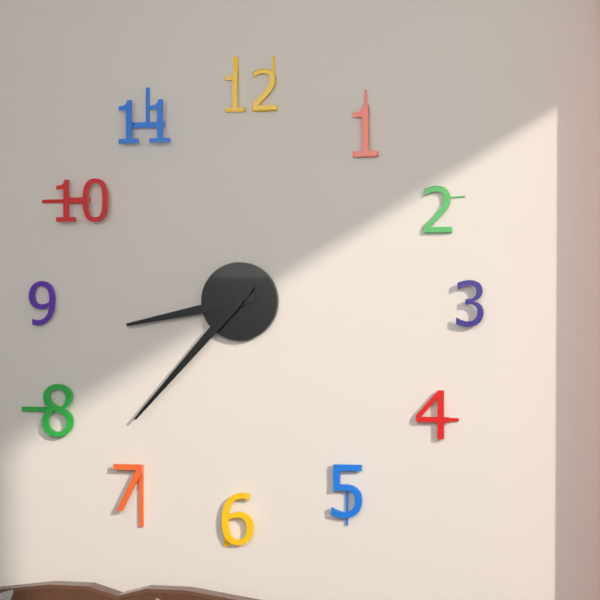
8:37
